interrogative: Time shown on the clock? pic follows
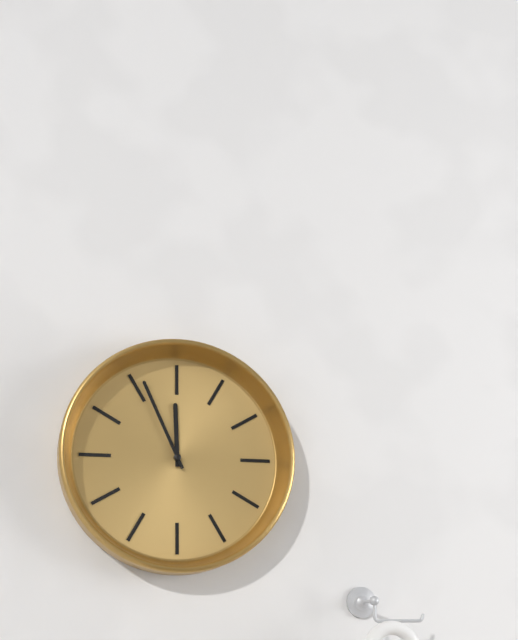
11:56
